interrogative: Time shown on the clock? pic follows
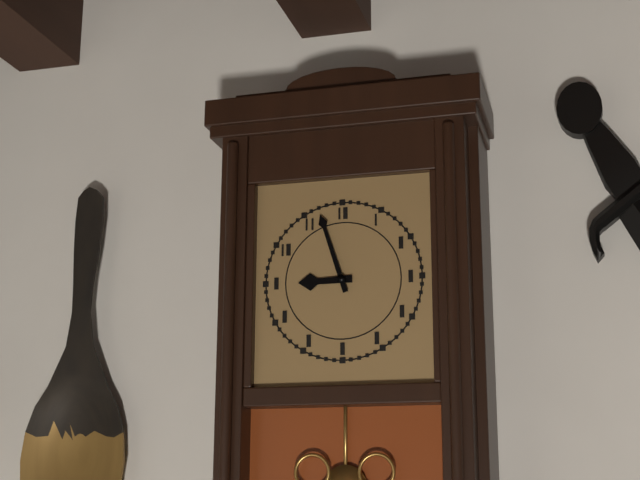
8:57
